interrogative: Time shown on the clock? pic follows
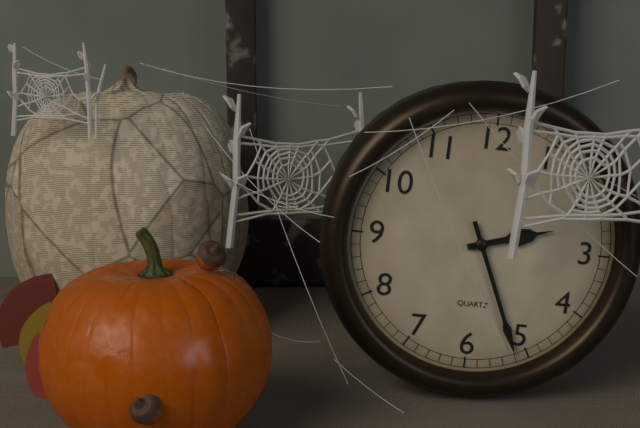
2:26
